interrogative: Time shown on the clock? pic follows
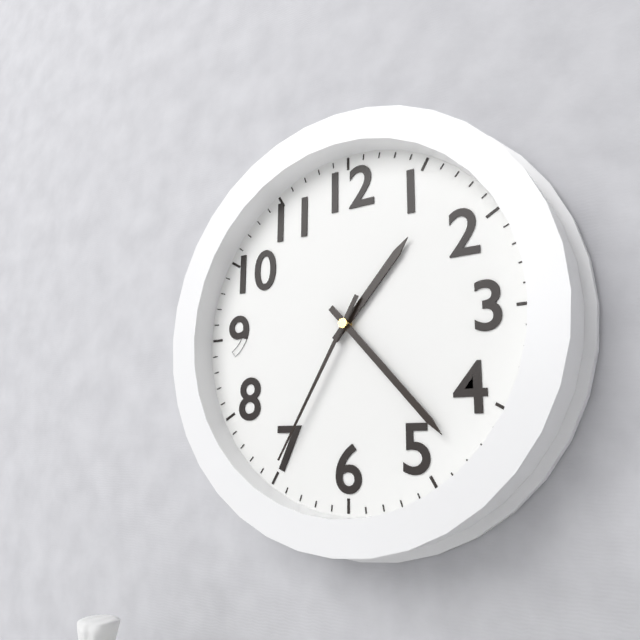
1:23:35
